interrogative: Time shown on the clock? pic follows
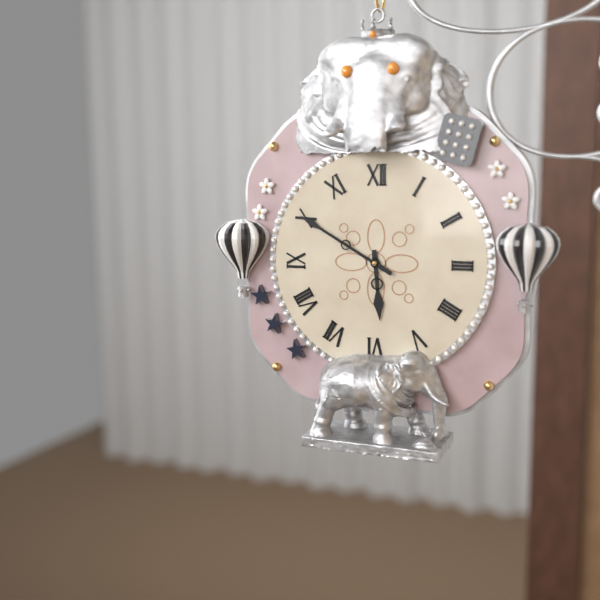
5:50
